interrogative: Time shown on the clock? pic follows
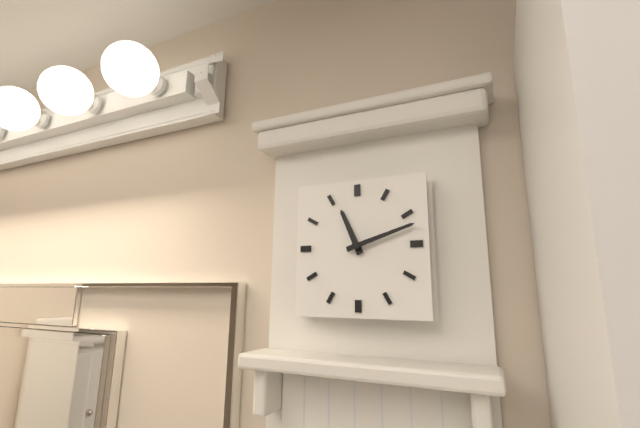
11:12
